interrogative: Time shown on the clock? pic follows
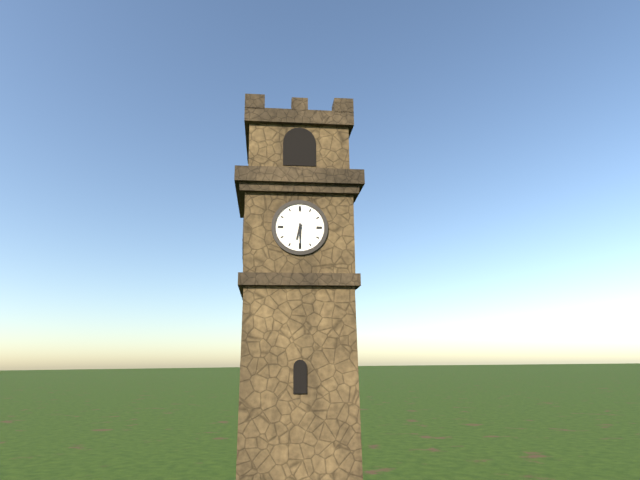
6:30
